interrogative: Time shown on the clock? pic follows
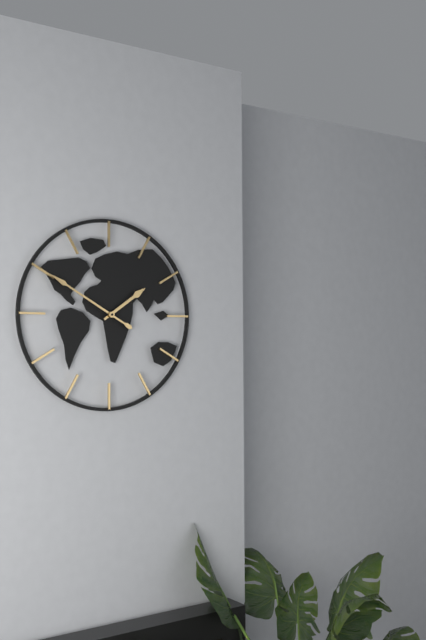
1:50
